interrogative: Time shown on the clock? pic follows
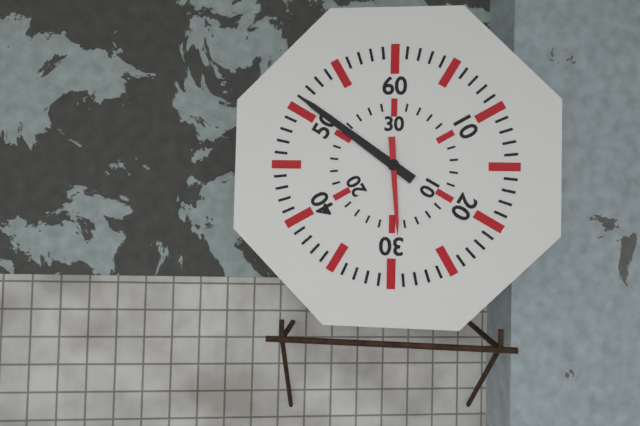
5:51
